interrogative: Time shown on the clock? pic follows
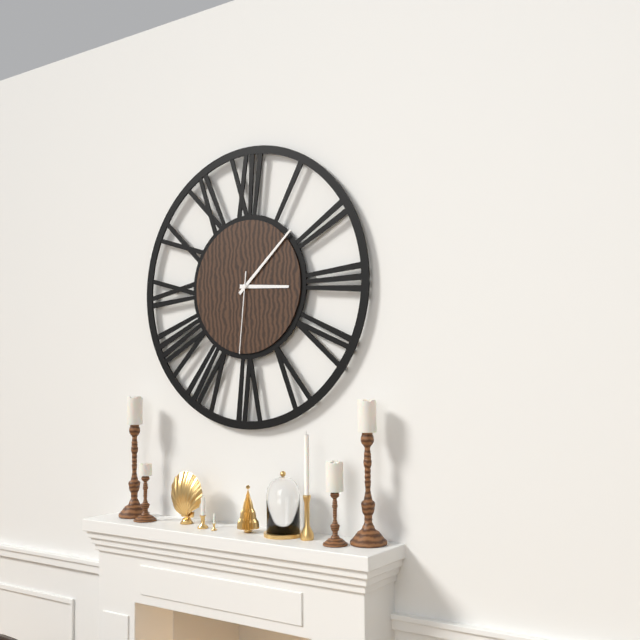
3:08:31
